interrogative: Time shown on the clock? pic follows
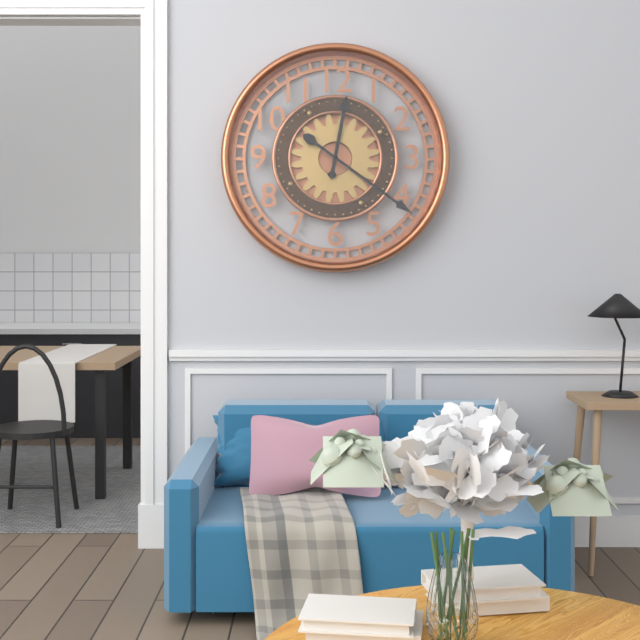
12:21
